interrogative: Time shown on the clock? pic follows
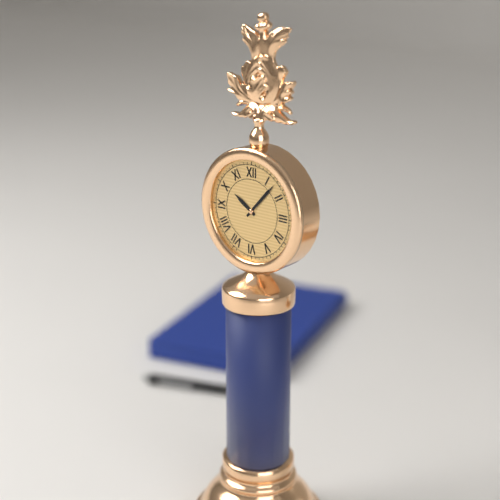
10:07
